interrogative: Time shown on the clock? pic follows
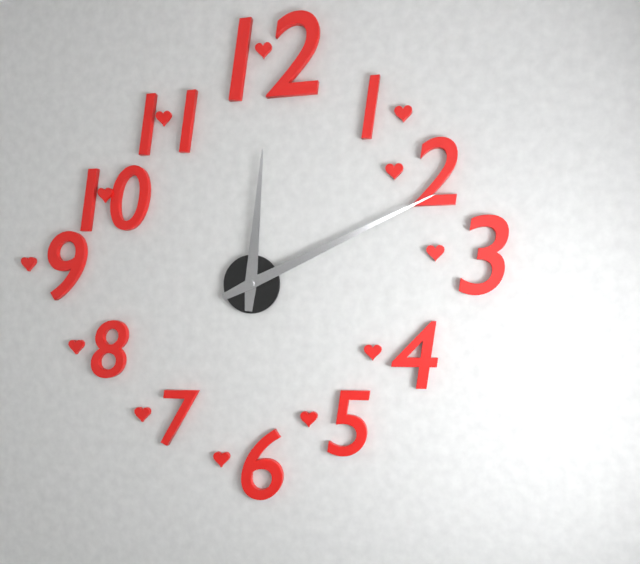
12:11
